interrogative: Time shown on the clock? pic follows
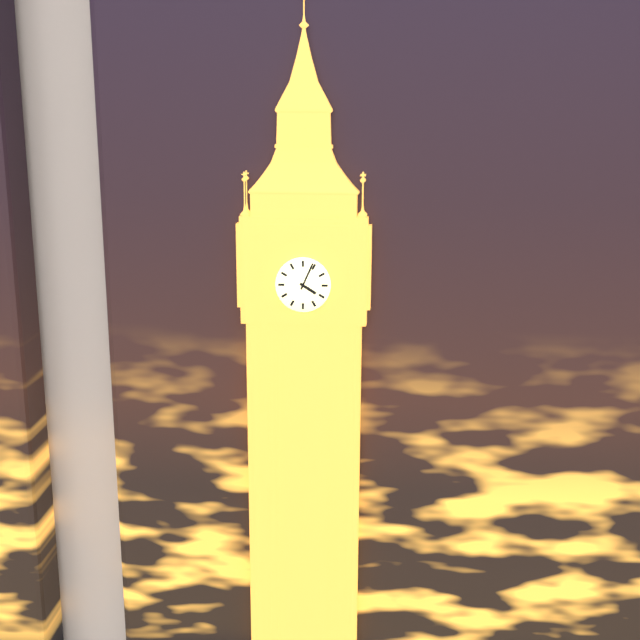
4:04
